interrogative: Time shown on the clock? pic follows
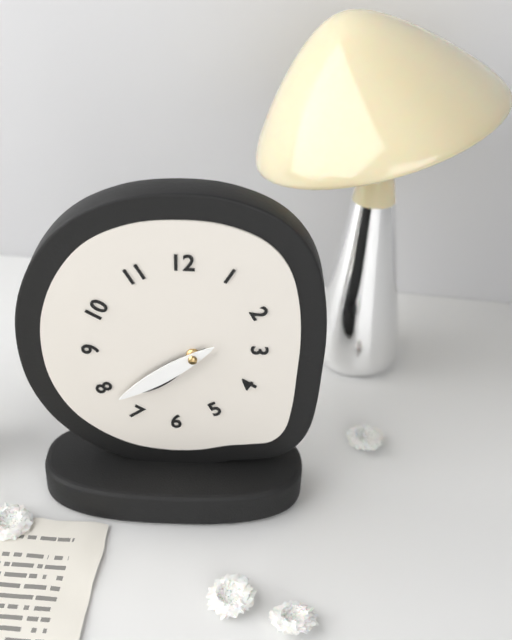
7:39
